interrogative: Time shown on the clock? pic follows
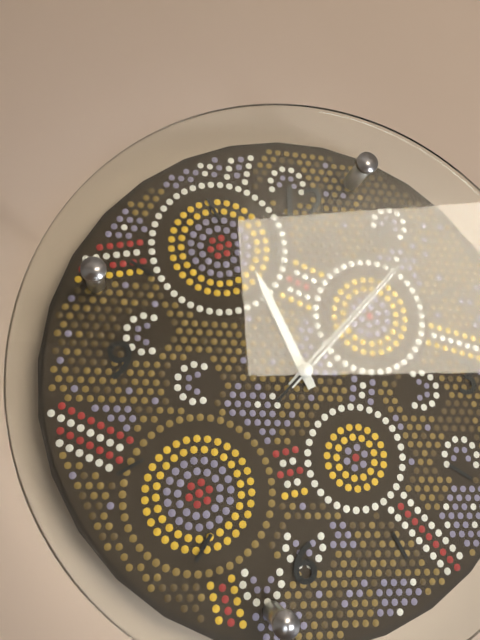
11:07:07
